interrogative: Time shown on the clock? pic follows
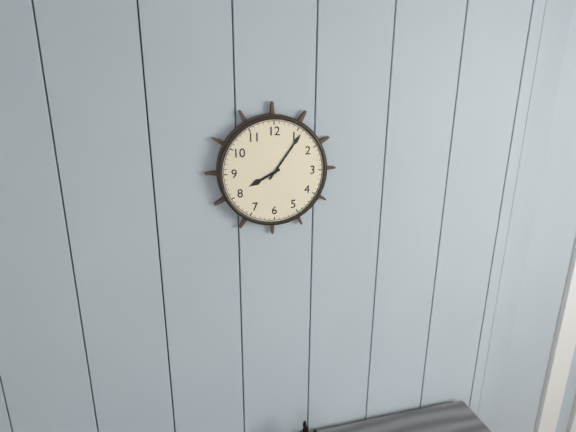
8:06
